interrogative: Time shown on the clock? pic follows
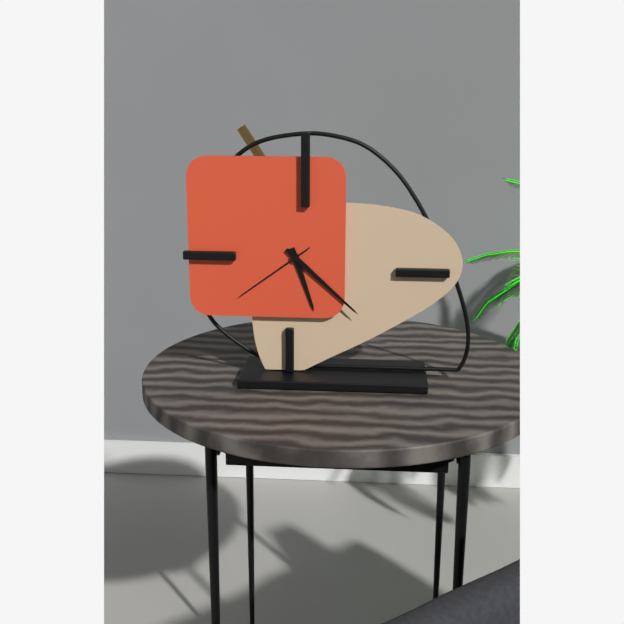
5:22:39
